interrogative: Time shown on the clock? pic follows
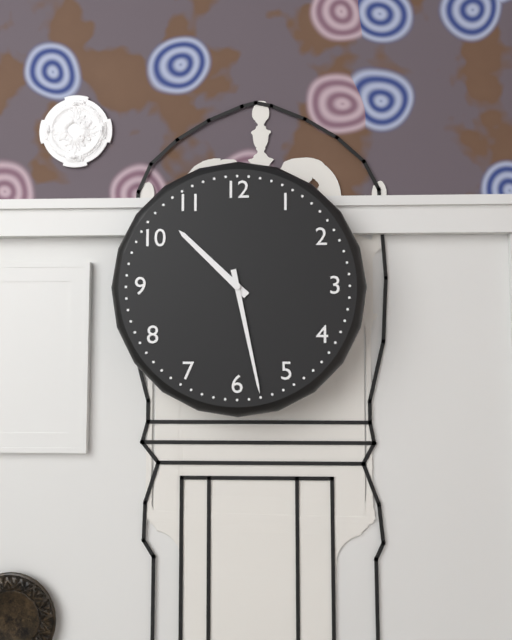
10:28
